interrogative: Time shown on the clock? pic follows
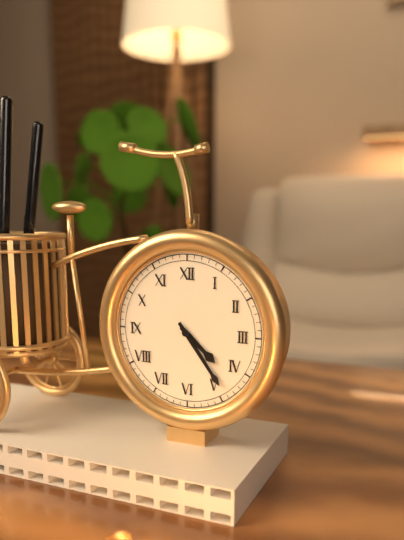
4:24
